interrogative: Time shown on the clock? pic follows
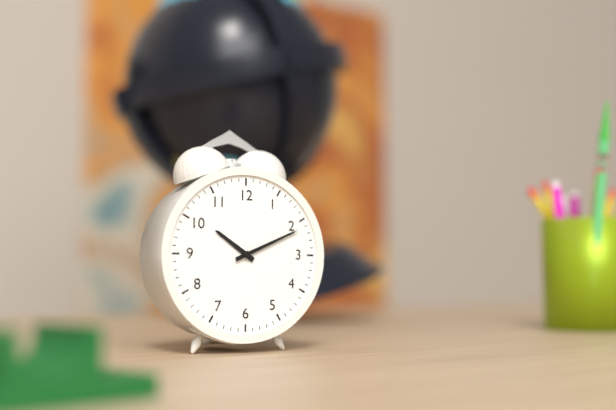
10:11
